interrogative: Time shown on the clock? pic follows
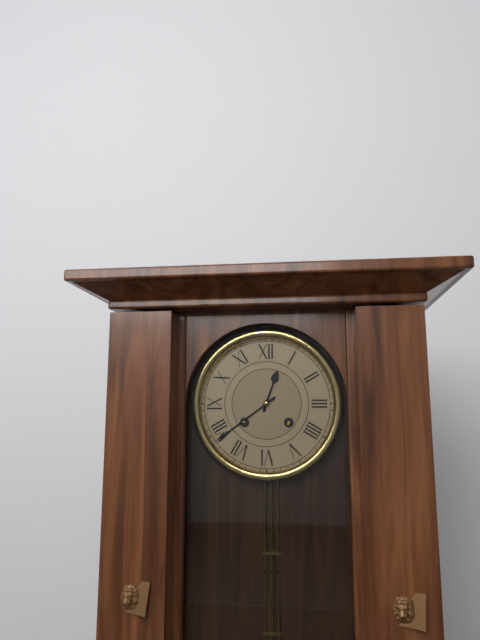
12:39
